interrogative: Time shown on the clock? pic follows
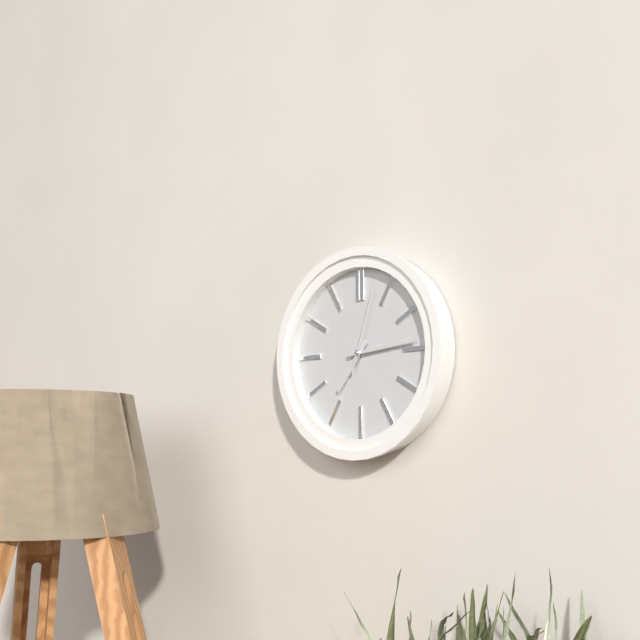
7:14:03
